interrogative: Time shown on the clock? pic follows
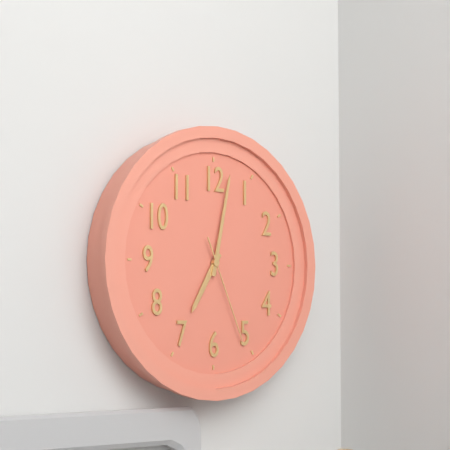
7:02:26
